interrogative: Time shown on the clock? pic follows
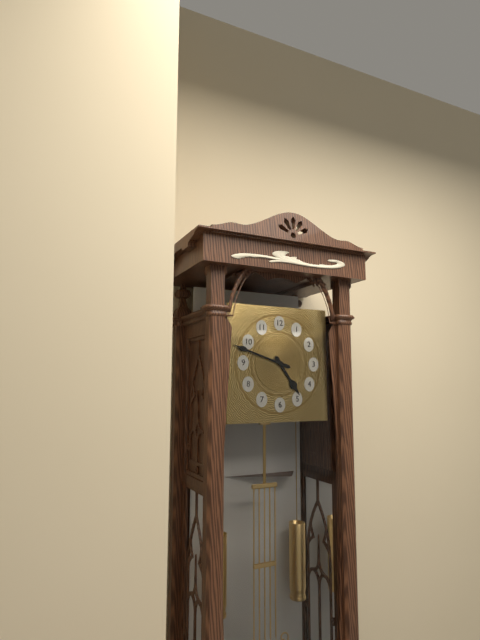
4:48
